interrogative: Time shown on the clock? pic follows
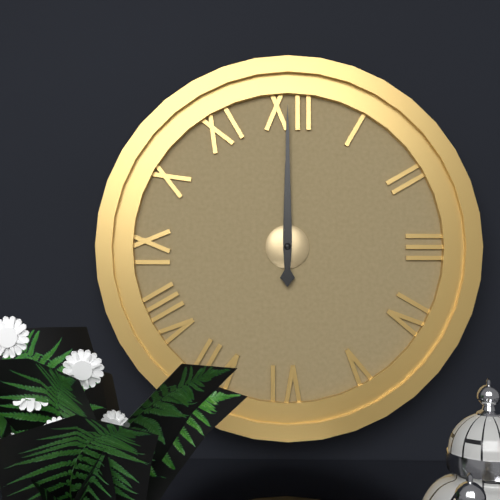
12:00
